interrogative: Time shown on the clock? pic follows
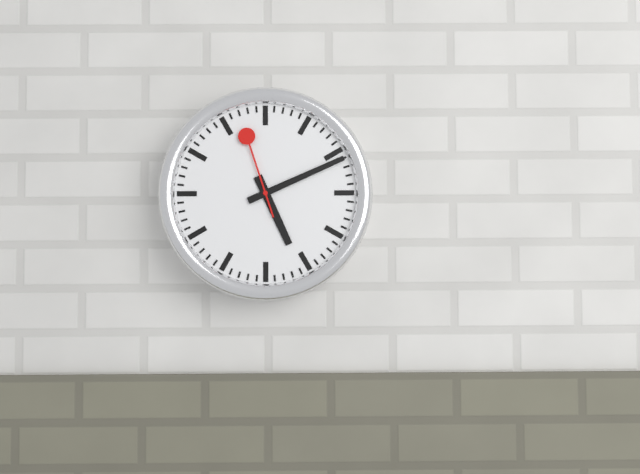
5:11:57
